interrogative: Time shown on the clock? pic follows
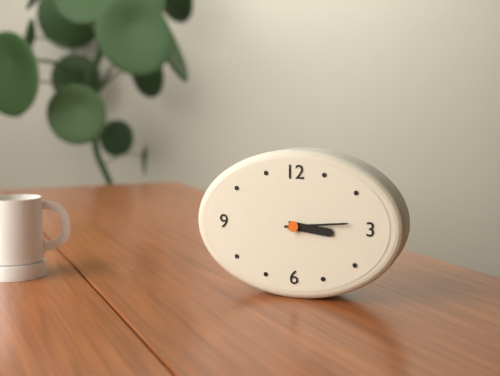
3:14
